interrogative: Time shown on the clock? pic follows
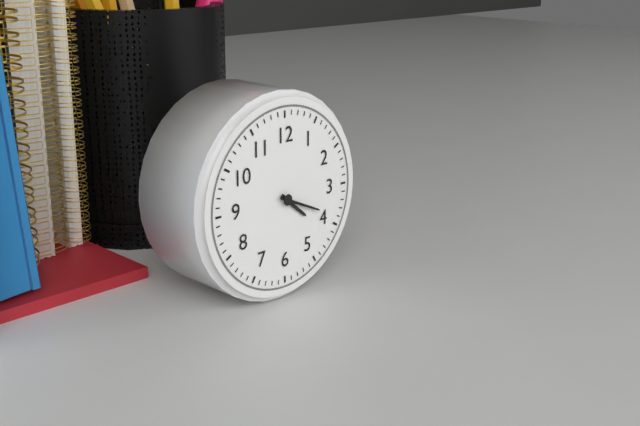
4:19
